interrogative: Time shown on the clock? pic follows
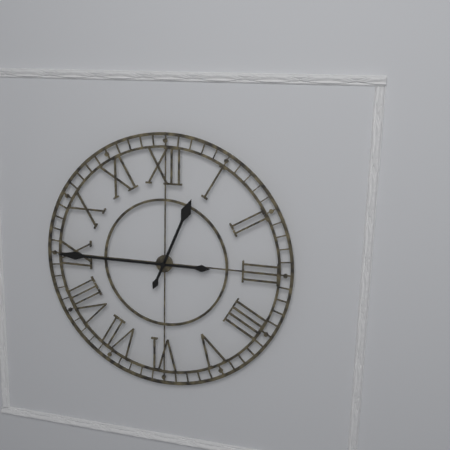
12:45
